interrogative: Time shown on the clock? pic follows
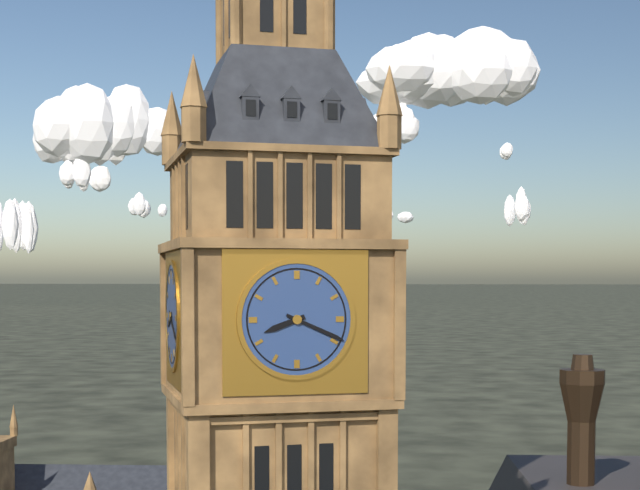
8:19
